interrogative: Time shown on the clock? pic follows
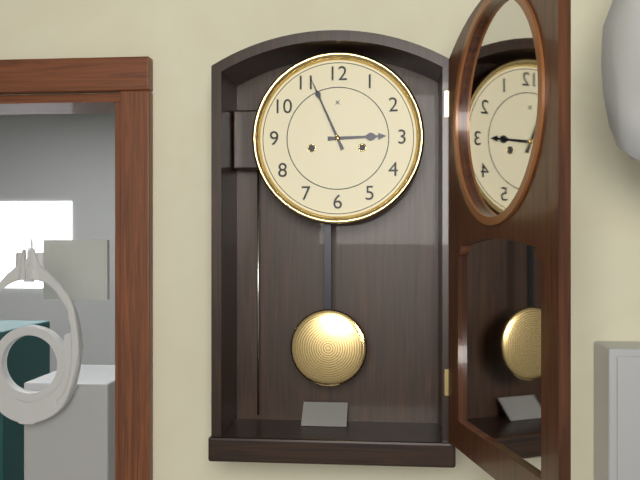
2:56
